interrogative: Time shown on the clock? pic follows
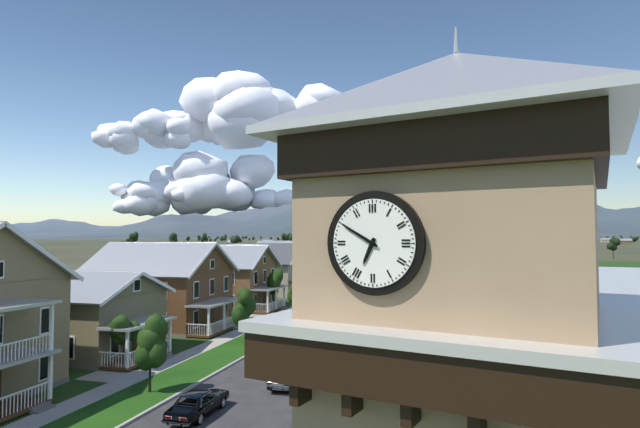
6:50
